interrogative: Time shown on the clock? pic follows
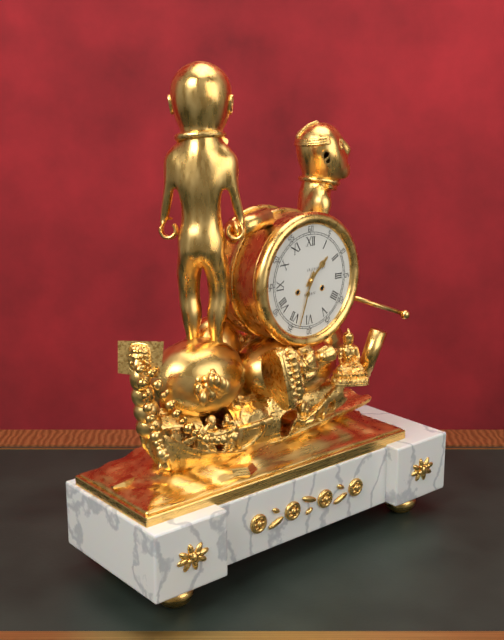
1:33
